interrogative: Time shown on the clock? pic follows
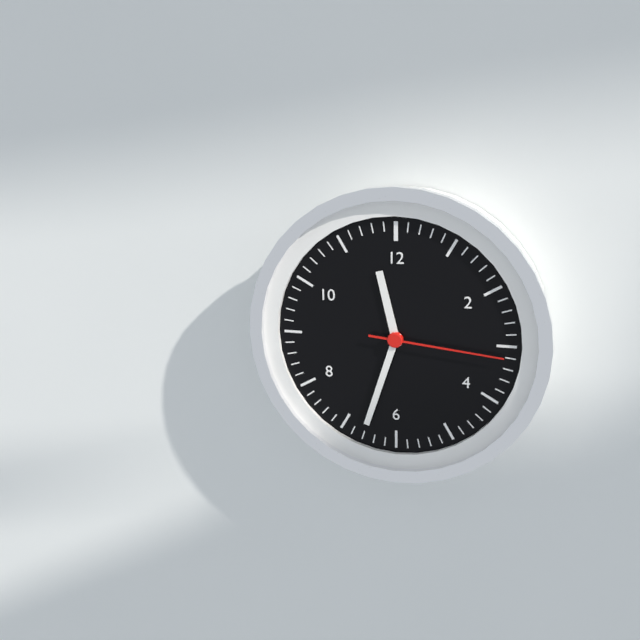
11:33:16
